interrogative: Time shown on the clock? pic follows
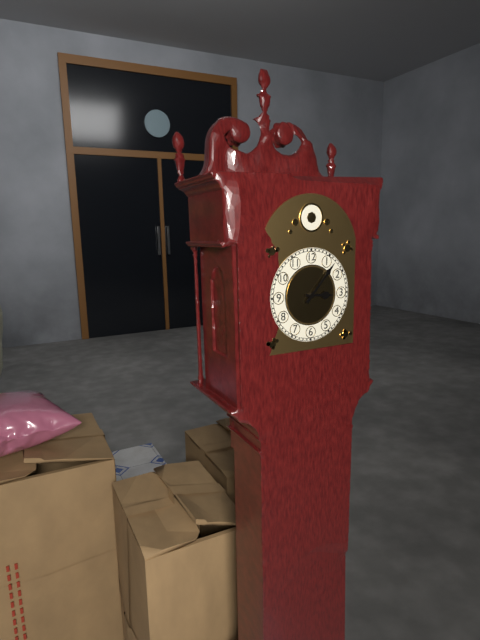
3:07
